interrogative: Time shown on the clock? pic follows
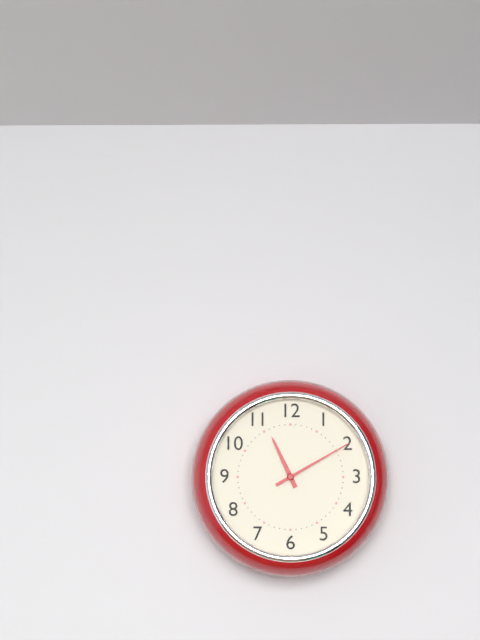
11:10
